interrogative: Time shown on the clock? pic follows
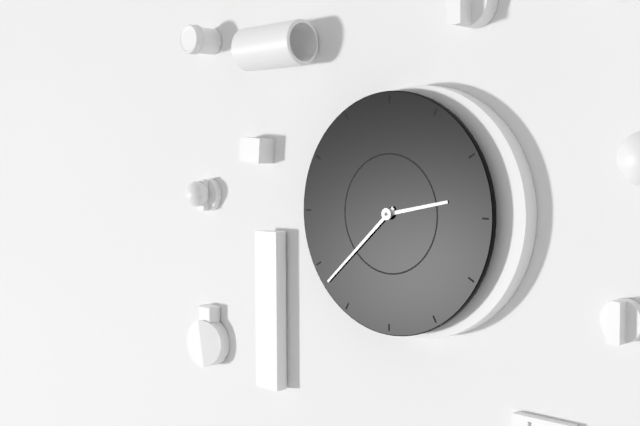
2:38
